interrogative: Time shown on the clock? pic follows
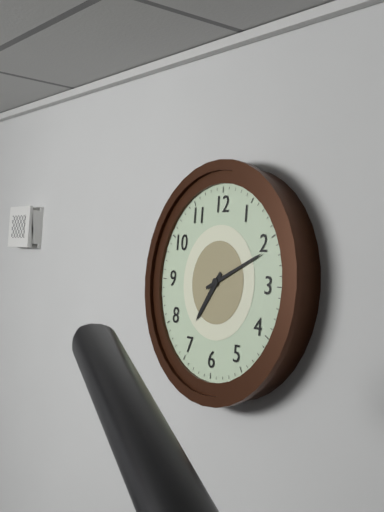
7:11
